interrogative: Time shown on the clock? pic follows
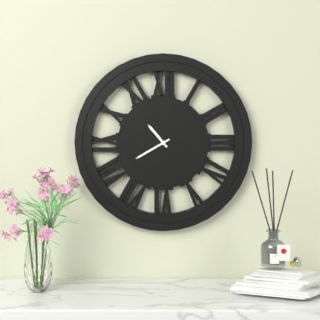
10:40
